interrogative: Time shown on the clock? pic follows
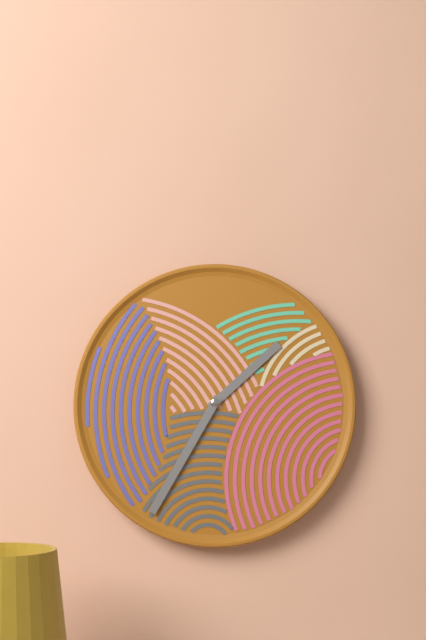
1:35
